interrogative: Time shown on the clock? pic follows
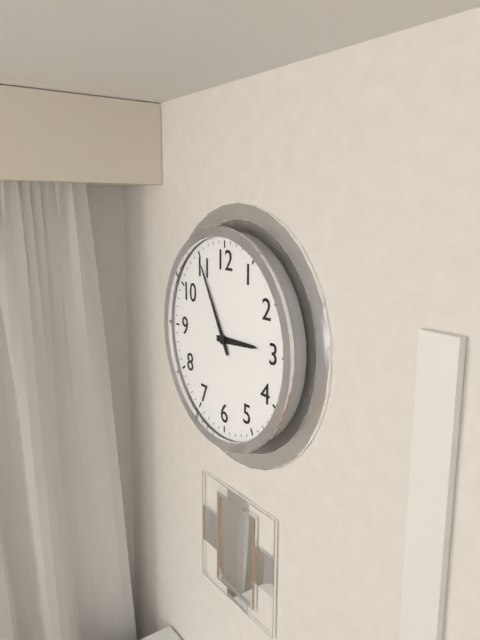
2:55
